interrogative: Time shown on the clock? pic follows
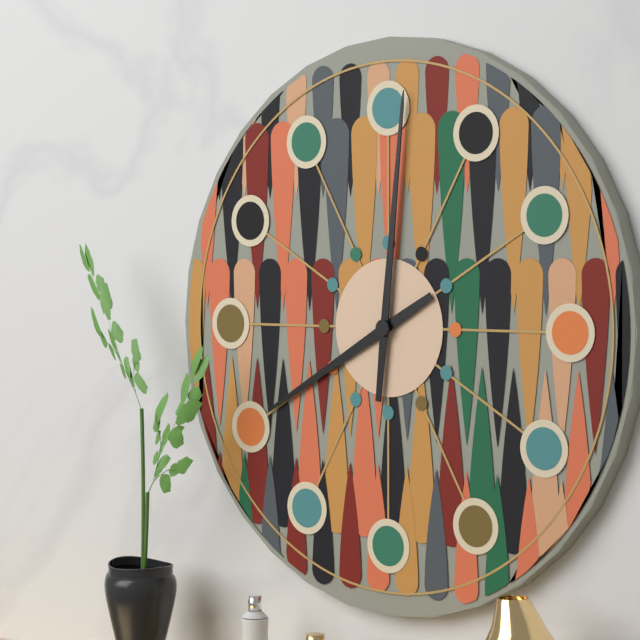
8:01
